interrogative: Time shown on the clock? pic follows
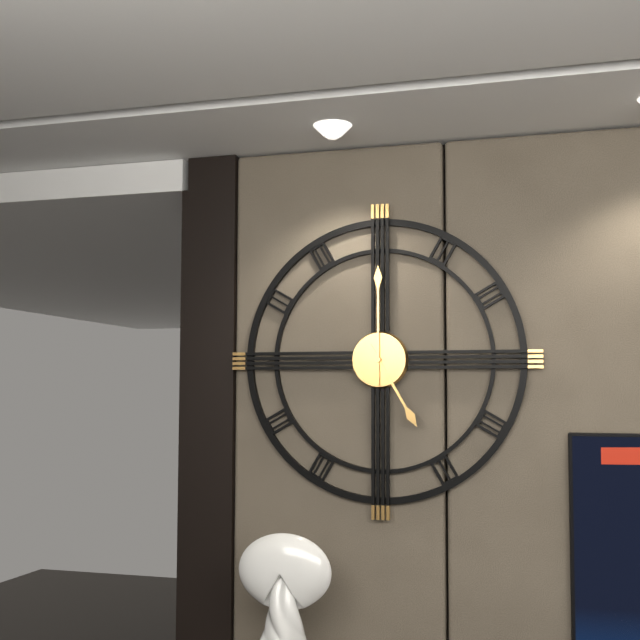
5:00
